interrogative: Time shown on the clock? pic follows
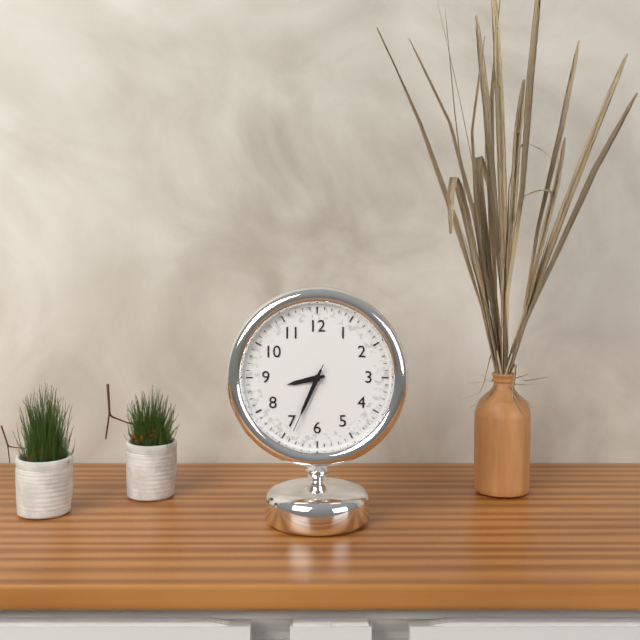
8:34:34
